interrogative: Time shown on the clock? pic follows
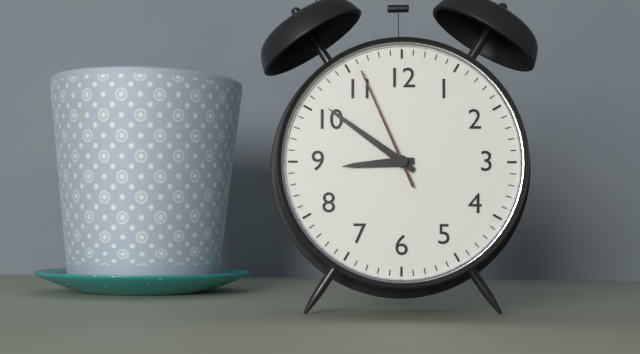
8:51:56
